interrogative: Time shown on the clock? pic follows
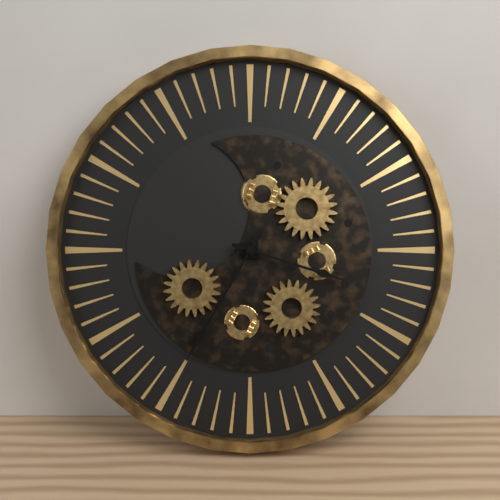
3:35
